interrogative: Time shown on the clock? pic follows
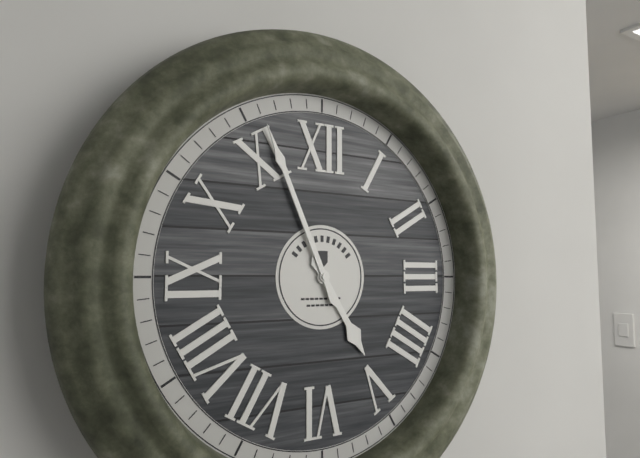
4:56
